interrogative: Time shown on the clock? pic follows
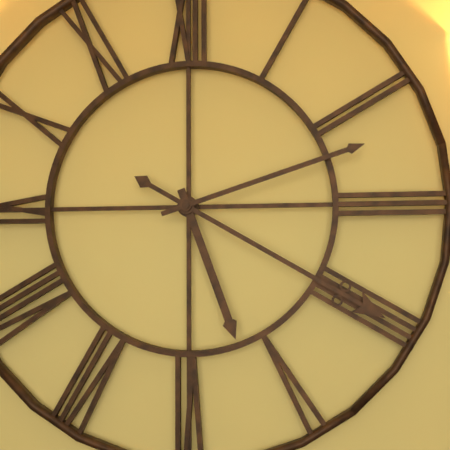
5:20:12
